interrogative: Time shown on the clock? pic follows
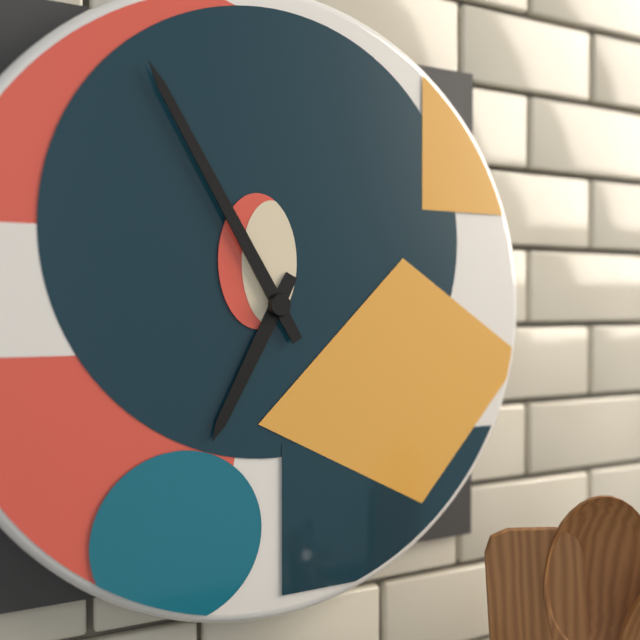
6:55
